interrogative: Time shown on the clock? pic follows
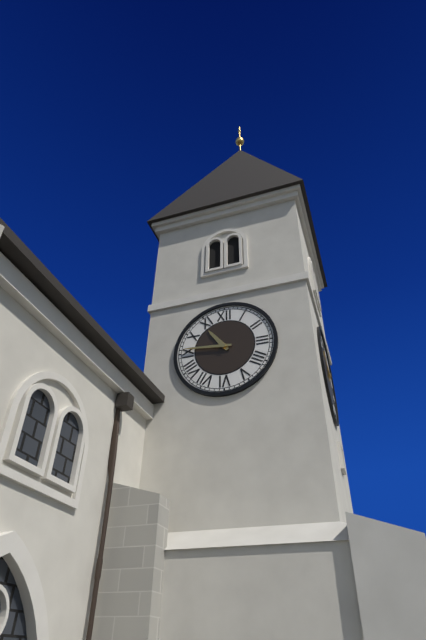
10:46
